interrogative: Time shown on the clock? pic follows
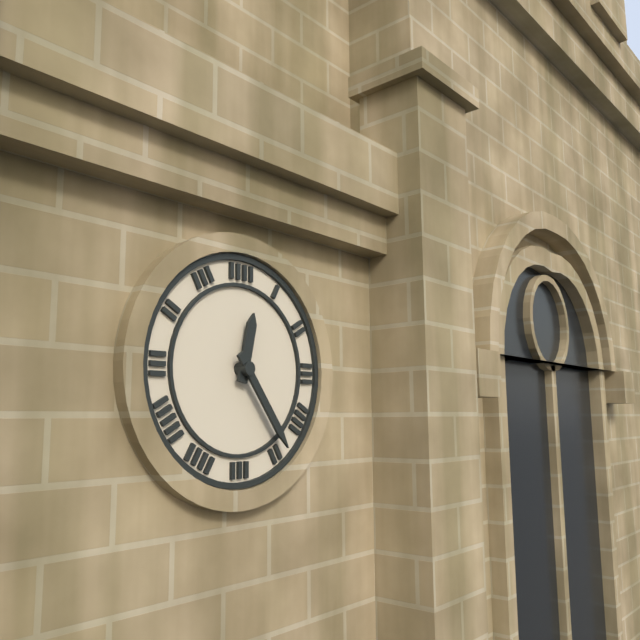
12:24
